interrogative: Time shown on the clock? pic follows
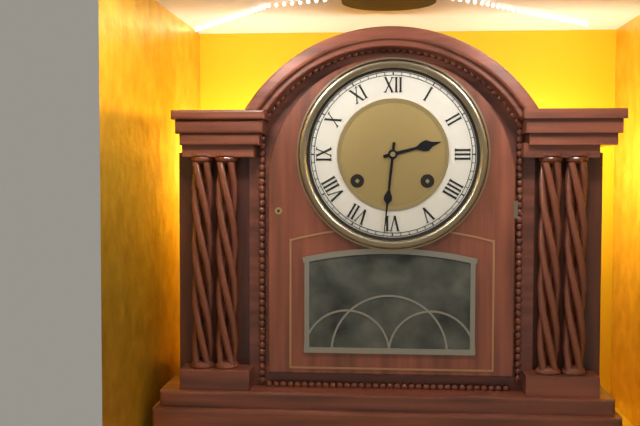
2:31
